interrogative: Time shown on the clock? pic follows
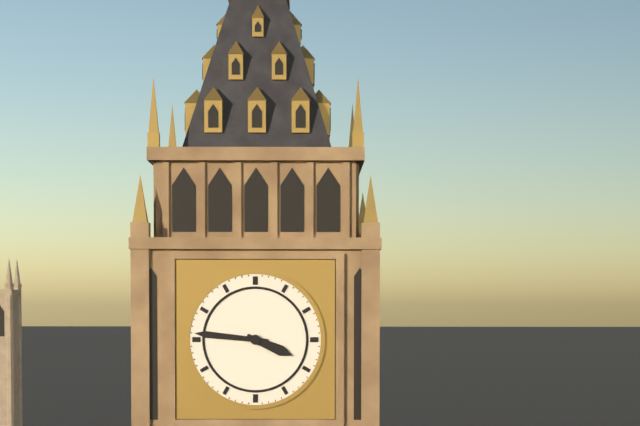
3:46
